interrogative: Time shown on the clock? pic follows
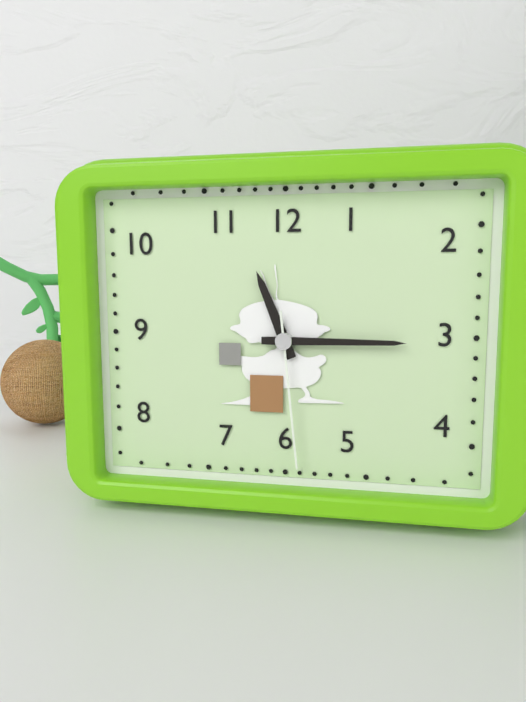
11:15:29
